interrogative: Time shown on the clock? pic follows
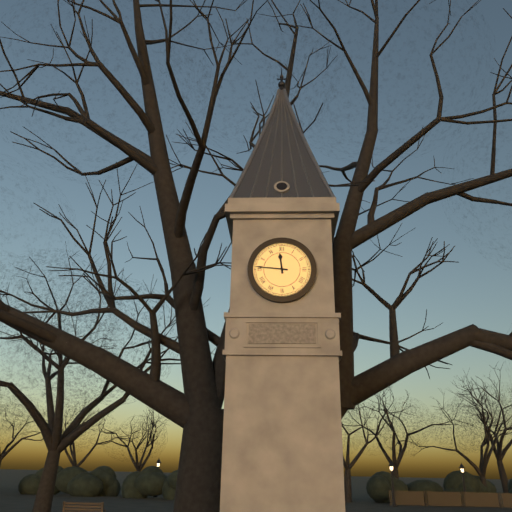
11:46
